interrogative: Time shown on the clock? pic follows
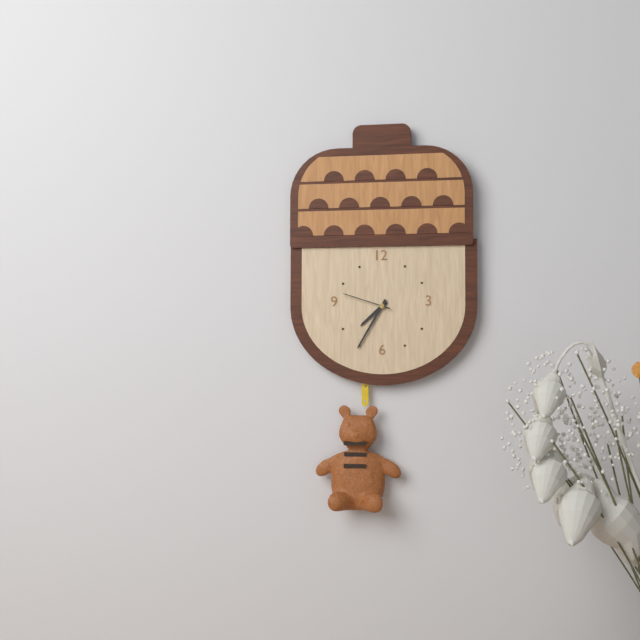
7:35:48
